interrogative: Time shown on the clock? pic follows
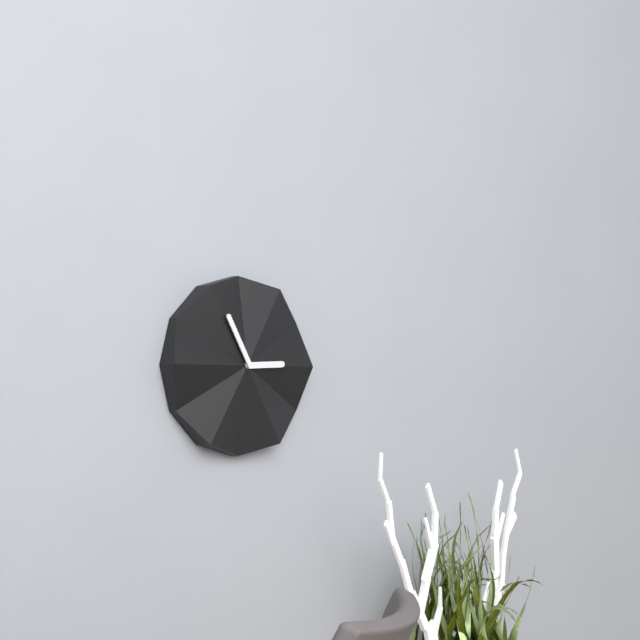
2:55
